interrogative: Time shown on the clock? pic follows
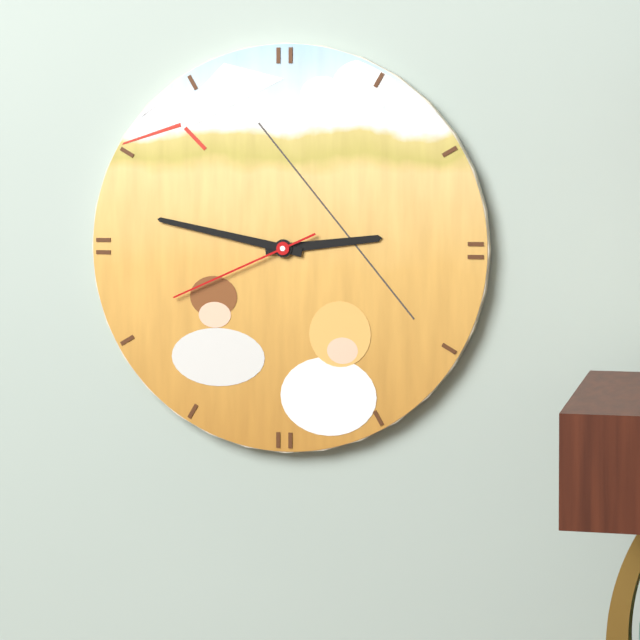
2:47:41
